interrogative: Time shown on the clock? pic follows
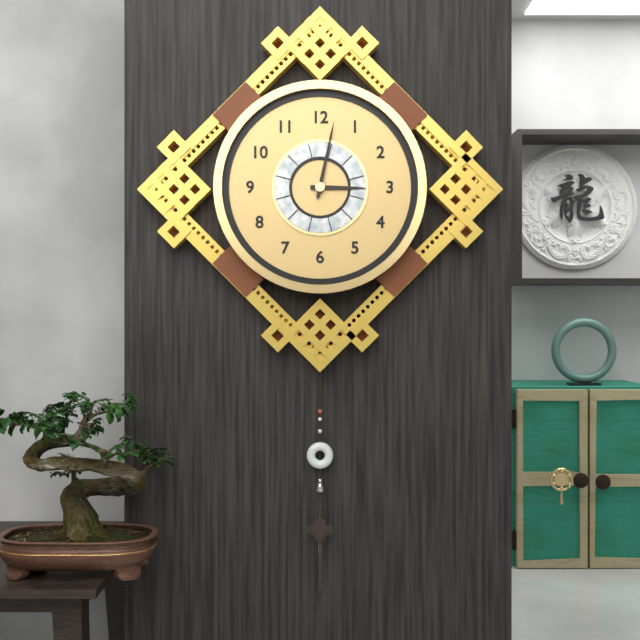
3:02
